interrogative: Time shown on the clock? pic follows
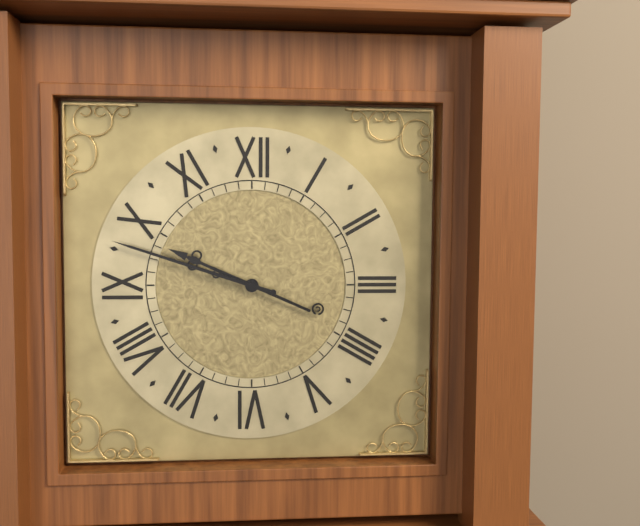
9:48
